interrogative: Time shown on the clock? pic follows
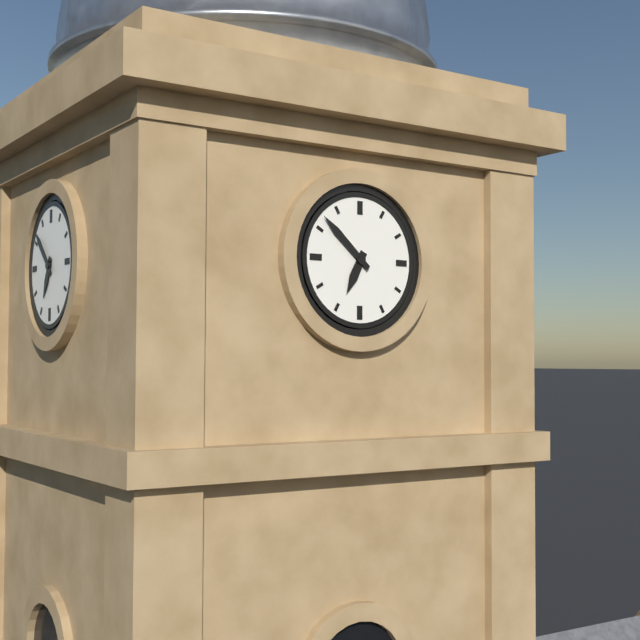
6:52
